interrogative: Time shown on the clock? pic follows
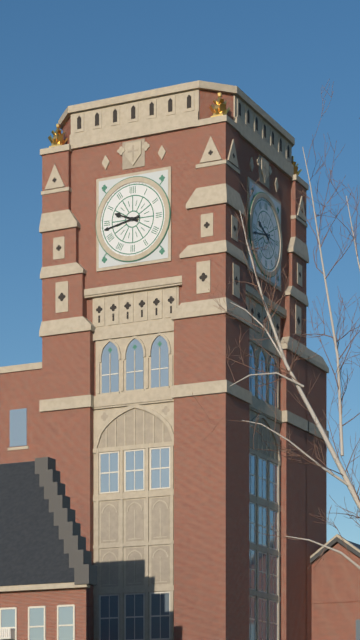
9:43
